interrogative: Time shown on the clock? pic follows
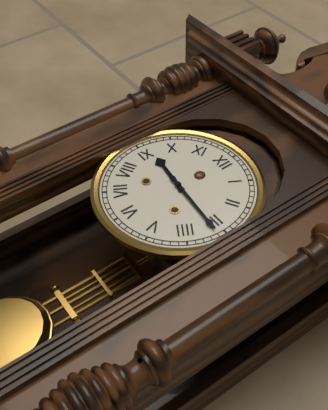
9:16
